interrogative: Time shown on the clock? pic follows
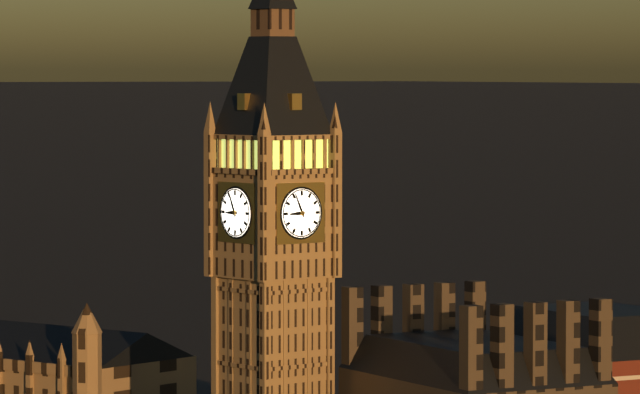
8:56
